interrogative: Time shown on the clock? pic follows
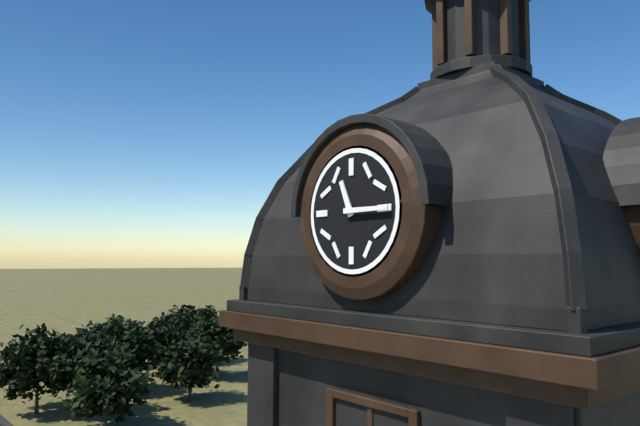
11:15
